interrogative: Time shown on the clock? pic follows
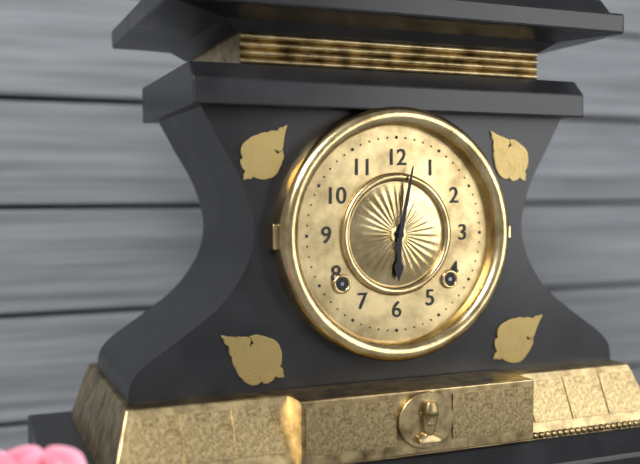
6:02
